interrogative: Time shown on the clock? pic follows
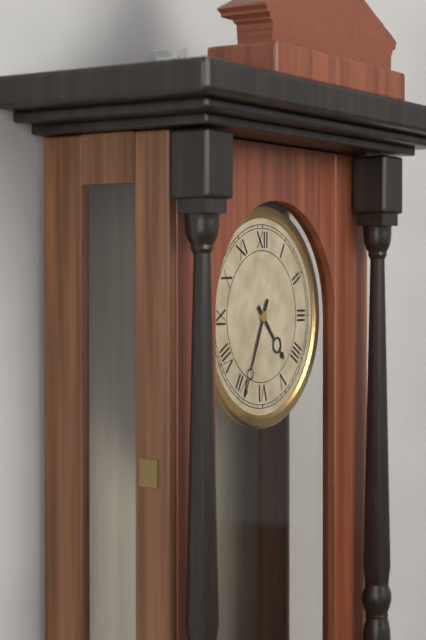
4:34
